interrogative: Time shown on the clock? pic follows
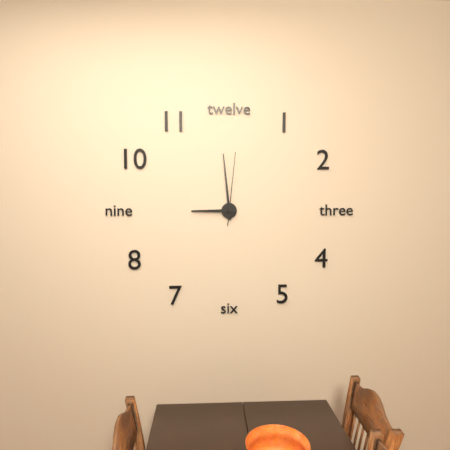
8:59:01
